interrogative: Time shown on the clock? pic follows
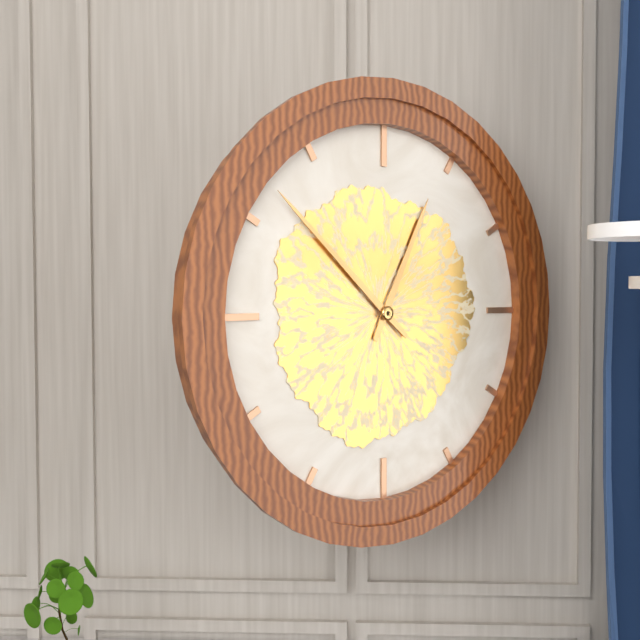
12:52
